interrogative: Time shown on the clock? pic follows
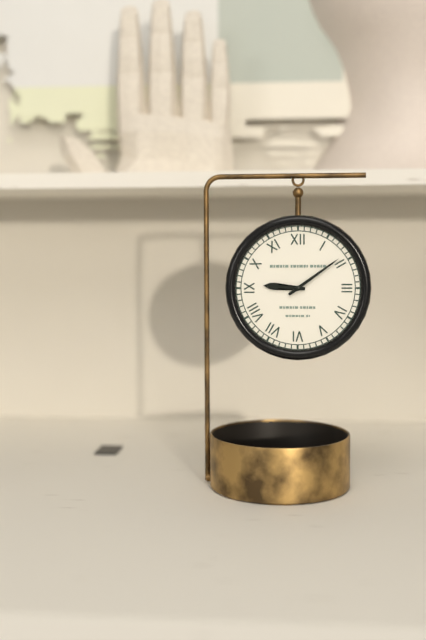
9:09
